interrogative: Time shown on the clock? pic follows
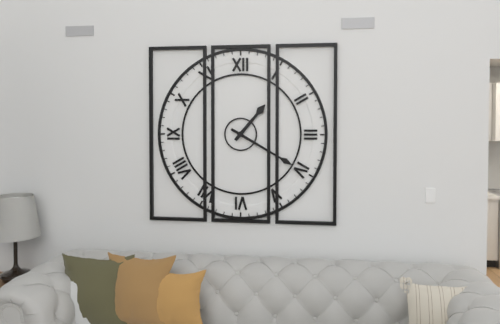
1:20
